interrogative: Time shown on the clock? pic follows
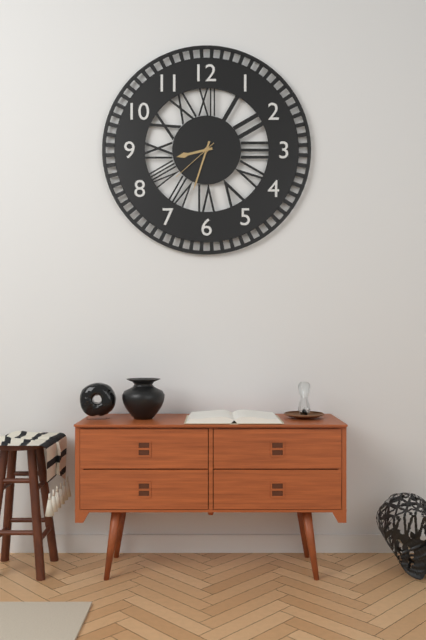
8:33
